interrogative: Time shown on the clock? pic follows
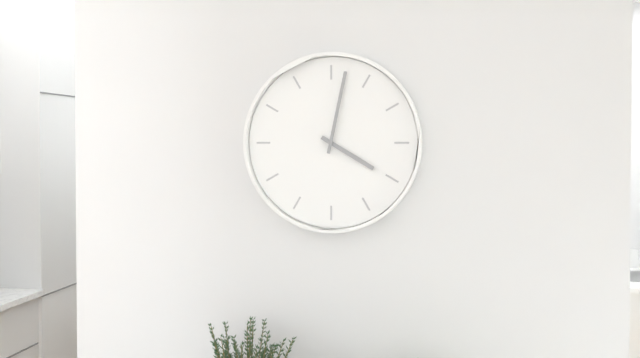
4:02
